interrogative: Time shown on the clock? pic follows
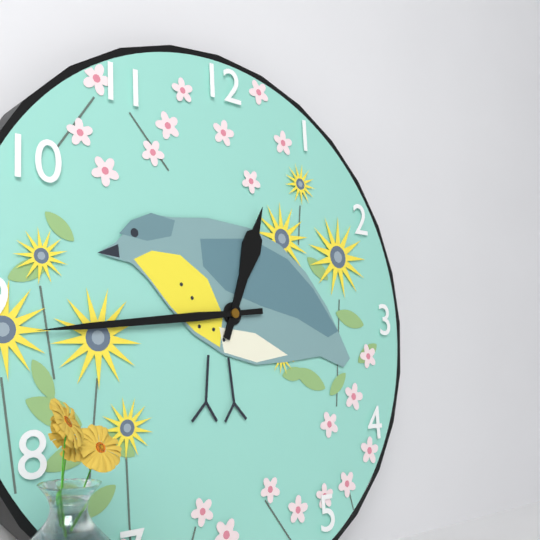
12:44
